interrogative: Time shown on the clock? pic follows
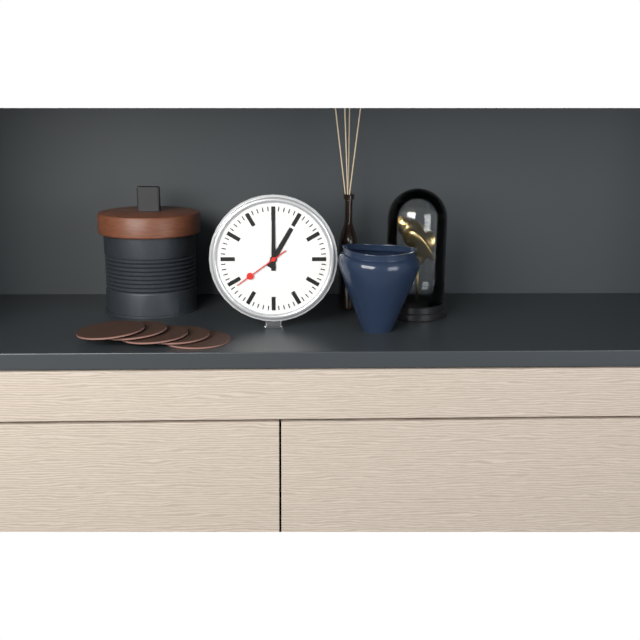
1:00:39
